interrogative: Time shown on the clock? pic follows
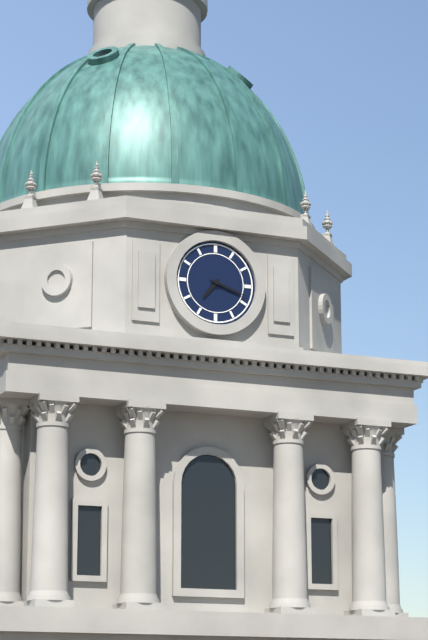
7:18
